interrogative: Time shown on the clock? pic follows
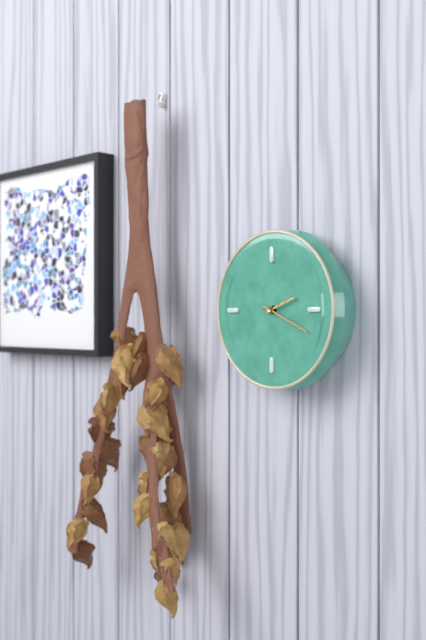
2:19
